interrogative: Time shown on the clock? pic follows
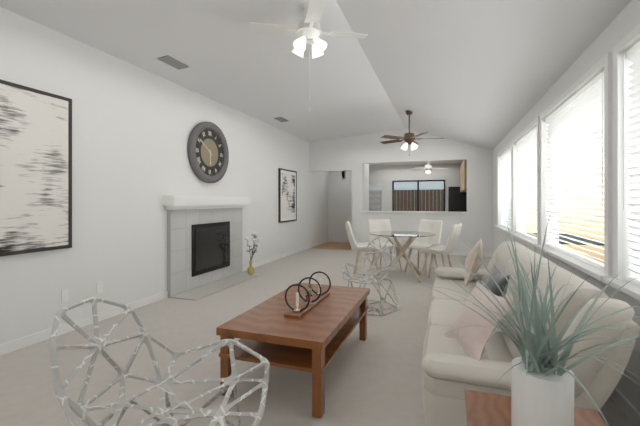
5:51
